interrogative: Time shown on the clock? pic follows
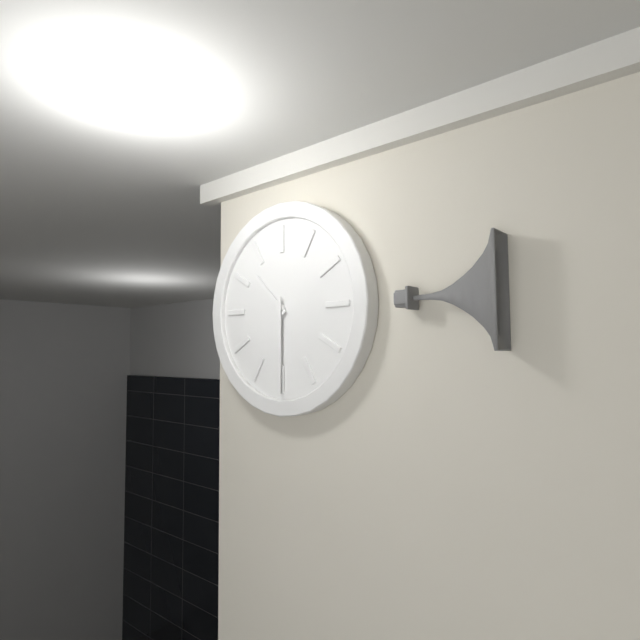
10:30
